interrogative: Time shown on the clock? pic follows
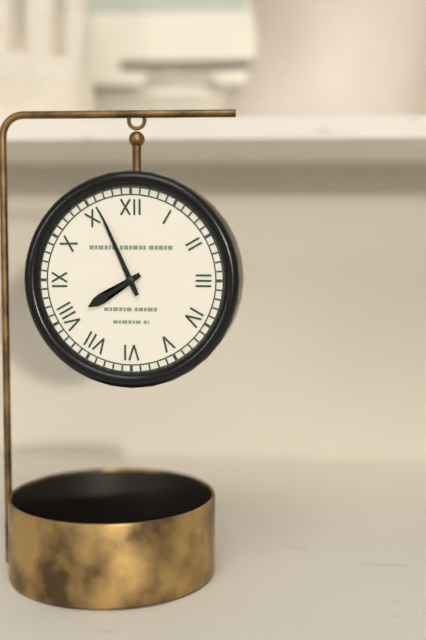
7:56
